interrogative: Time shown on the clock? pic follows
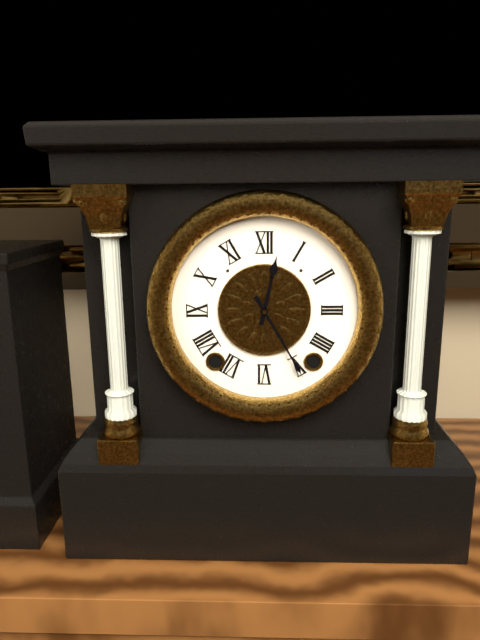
12:25
